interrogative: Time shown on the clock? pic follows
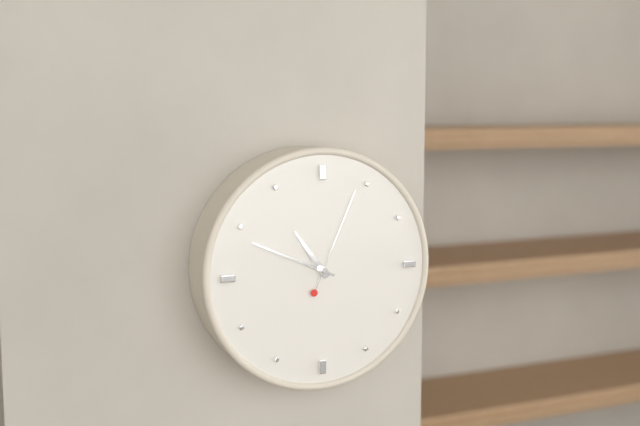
10:49:04
